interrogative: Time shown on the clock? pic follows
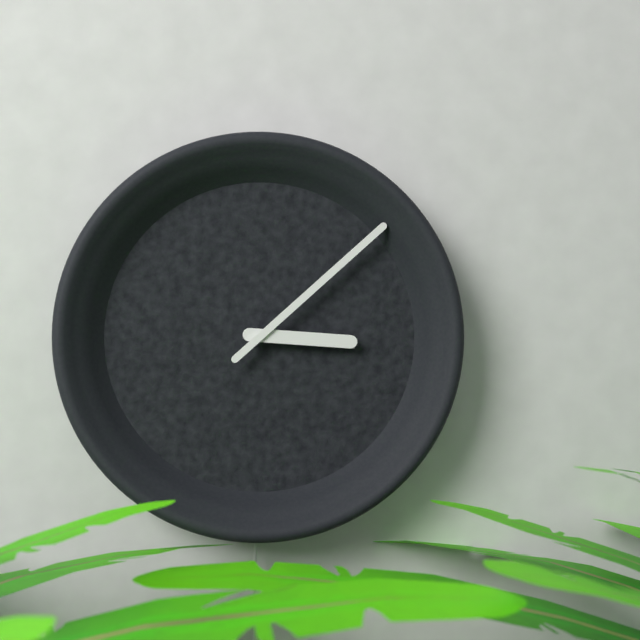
3:08
